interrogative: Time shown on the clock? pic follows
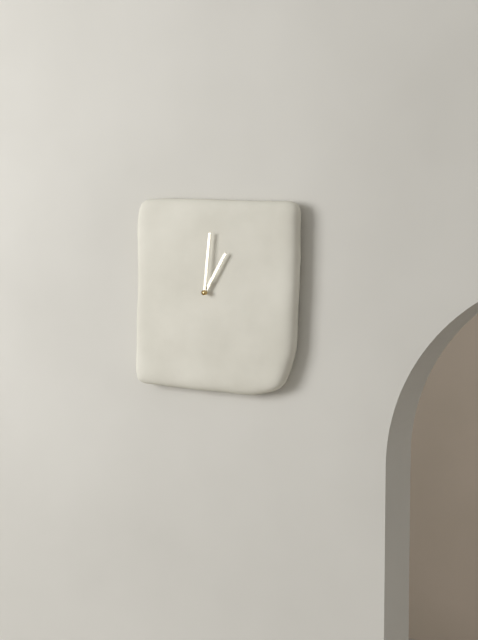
1:01
